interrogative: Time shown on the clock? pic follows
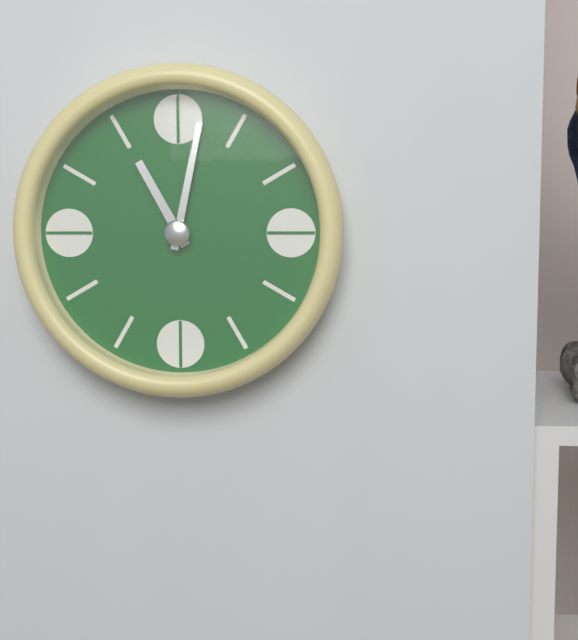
11:02
